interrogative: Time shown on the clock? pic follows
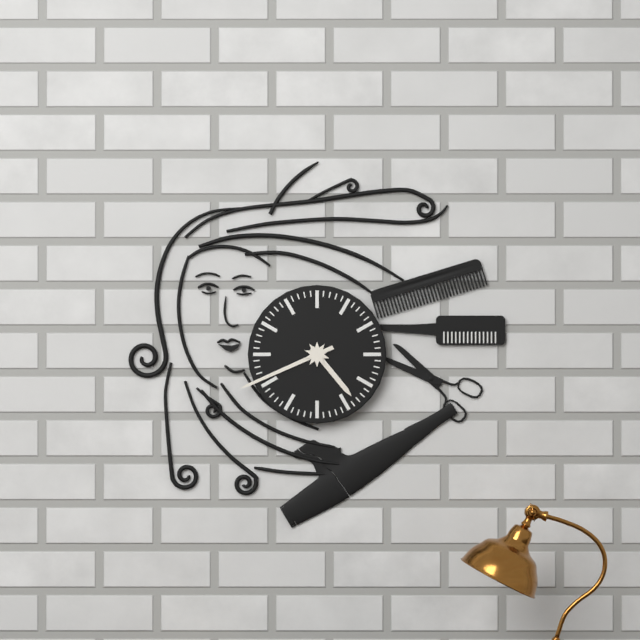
4:41
